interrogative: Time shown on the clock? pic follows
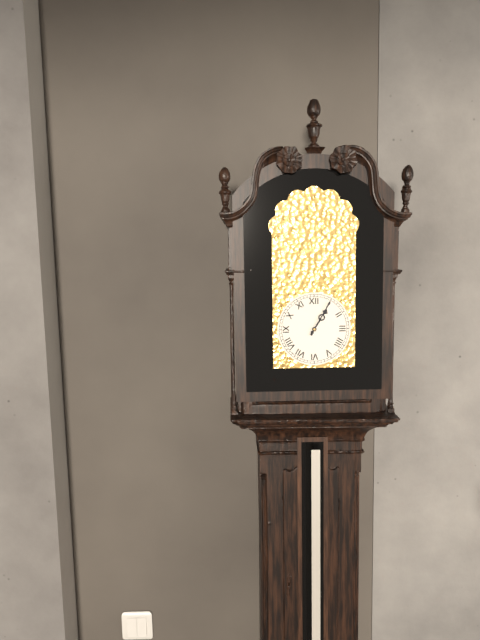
1:05
